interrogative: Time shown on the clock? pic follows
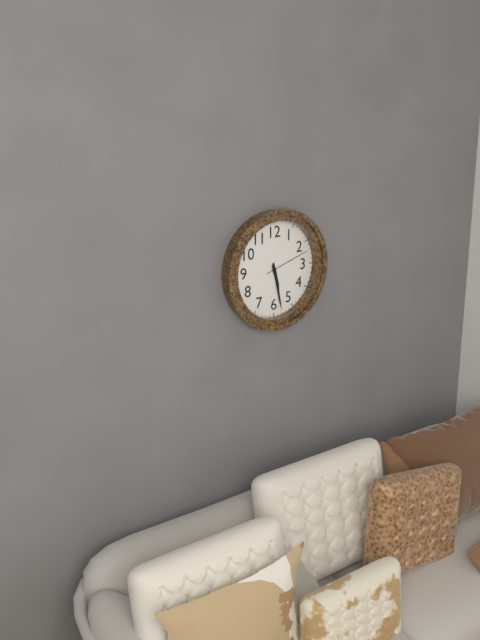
5:28
